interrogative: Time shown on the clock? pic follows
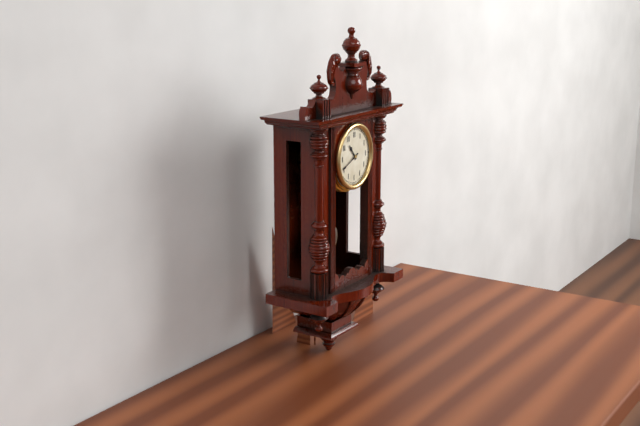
10:41
